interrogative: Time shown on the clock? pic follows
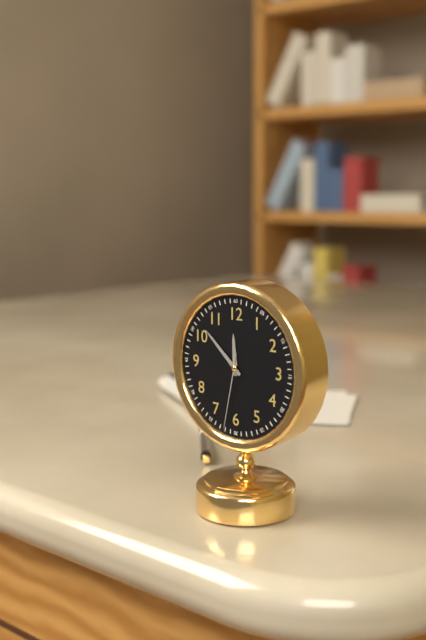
11:52:32
